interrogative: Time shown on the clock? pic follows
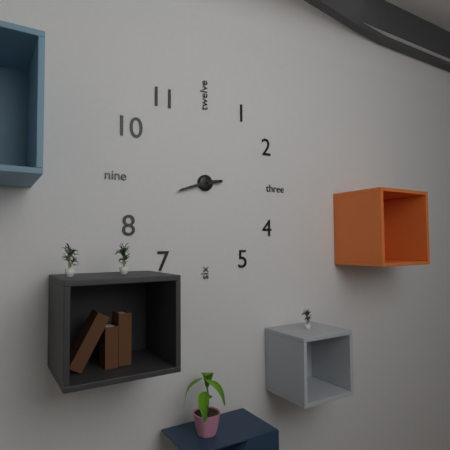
2:42
